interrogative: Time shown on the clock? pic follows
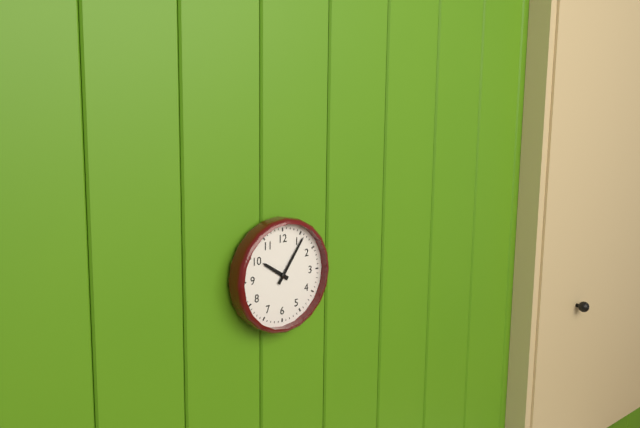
10:06
